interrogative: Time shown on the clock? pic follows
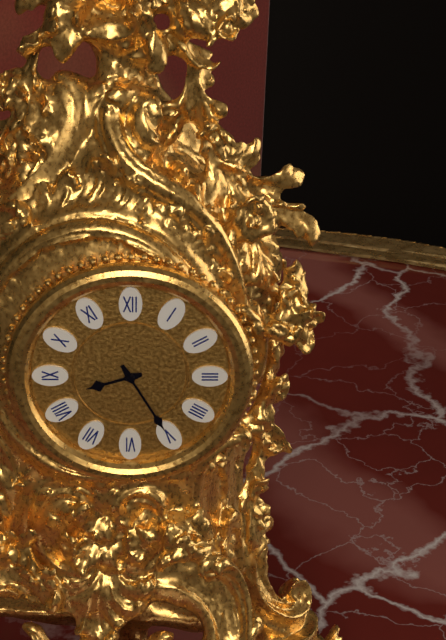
8:25
